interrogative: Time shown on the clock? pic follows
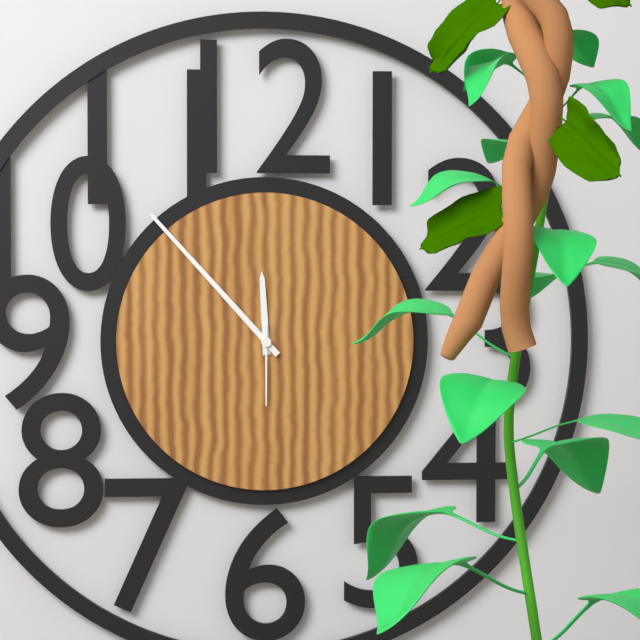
11:53:30
